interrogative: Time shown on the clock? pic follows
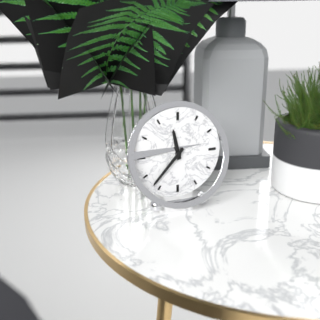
11:37
